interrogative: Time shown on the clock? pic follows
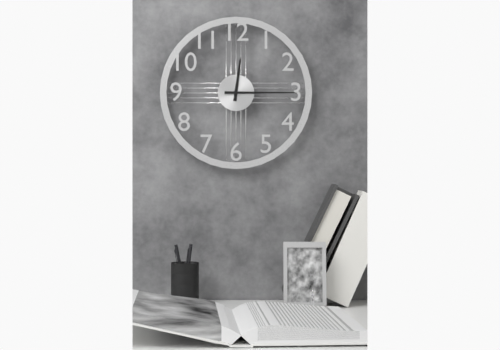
12:15
